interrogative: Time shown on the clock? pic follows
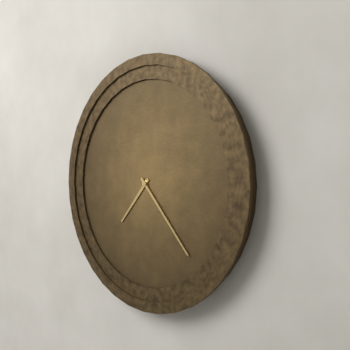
7:23
